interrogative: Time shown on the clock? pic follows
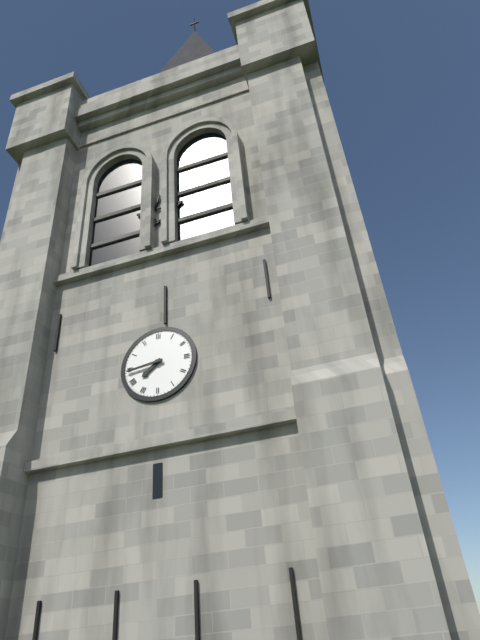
7:44
